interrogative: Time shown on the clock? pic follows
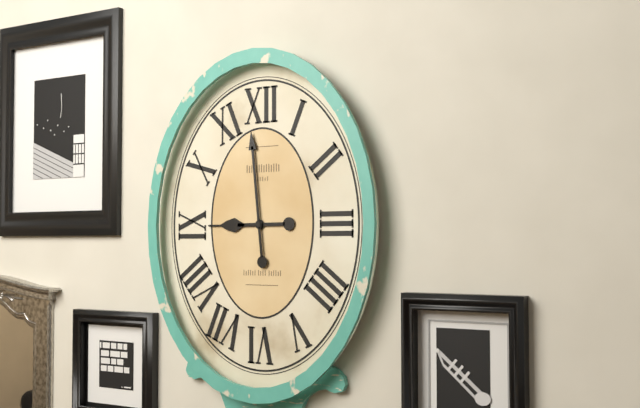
8:59
